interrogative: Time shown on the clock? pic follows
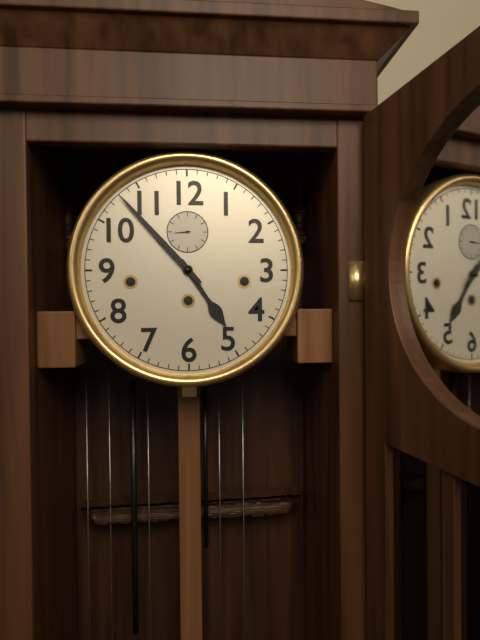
4:53
